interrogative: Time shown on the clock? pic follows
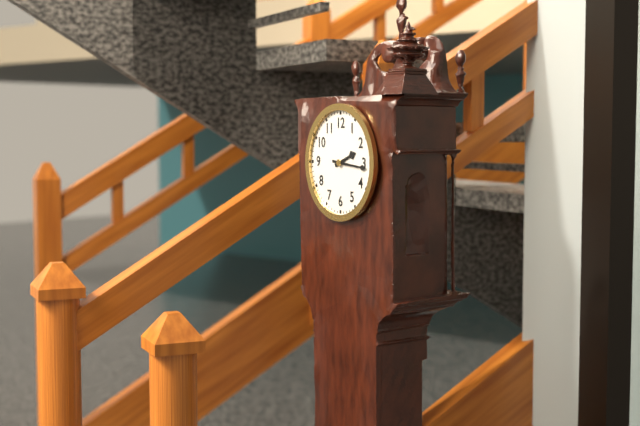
2:16
